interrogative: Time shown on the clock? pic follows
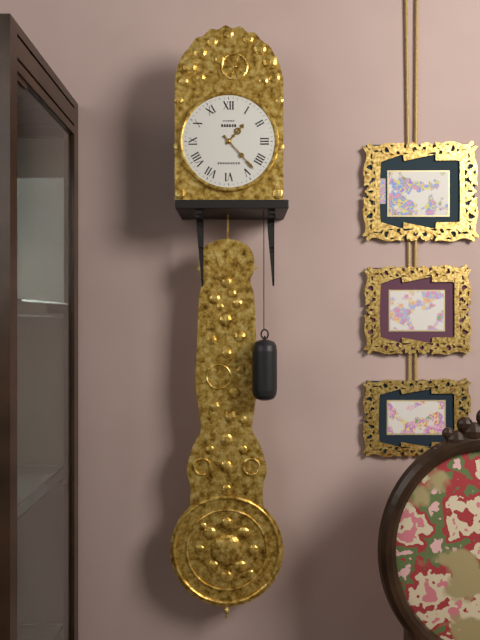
1:23
